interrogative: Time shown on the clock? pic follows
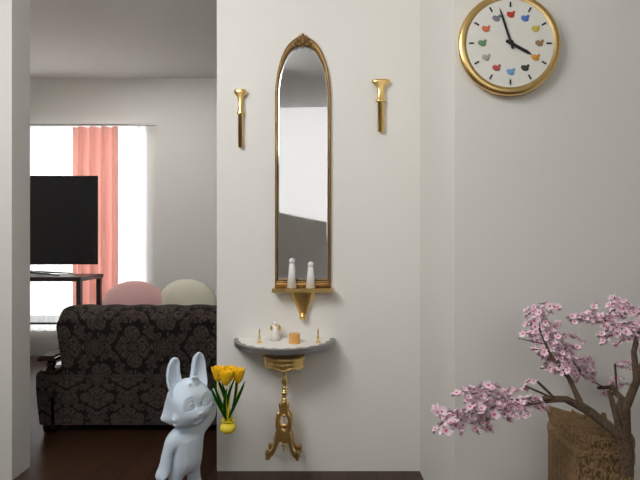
3:57
